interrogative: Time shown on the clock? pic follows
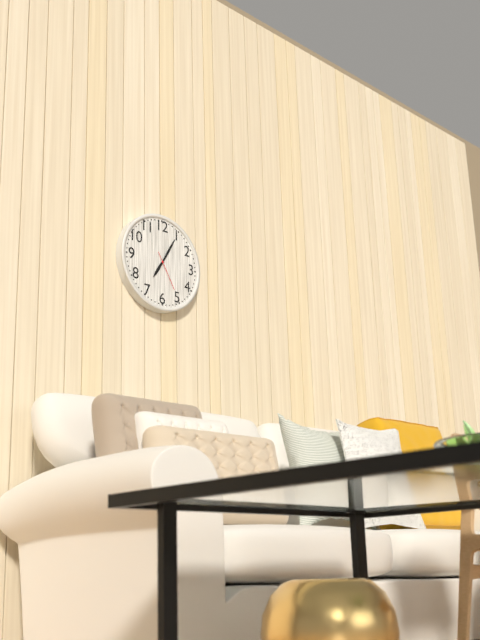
7:05
